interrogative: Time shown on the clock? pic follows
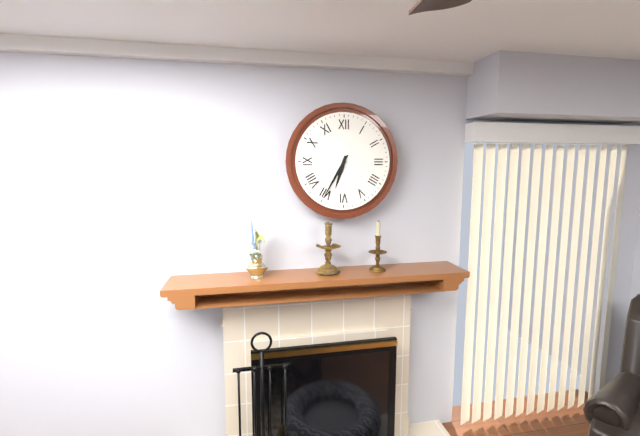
6:35
